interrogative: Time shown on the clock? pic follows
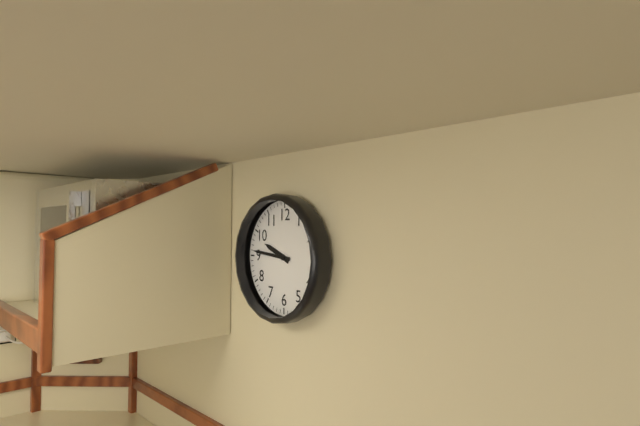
9:46
